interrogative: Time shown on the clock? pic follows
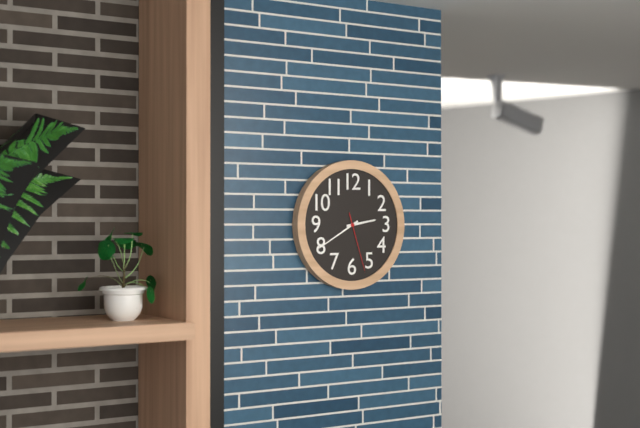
2:40:27
